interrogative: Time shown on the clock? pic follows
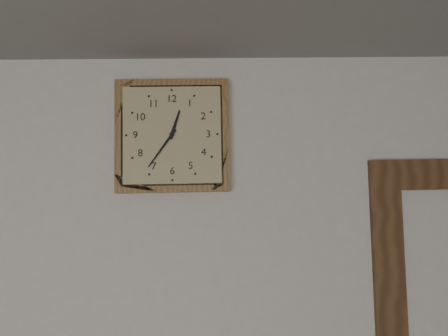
12:36
